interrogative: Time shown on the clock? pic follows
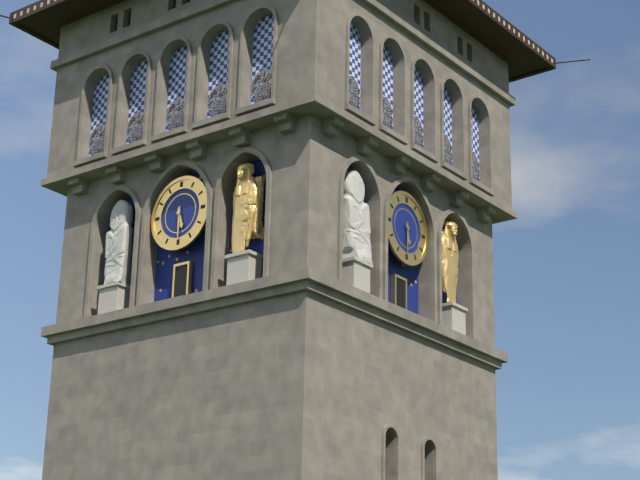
5:30
